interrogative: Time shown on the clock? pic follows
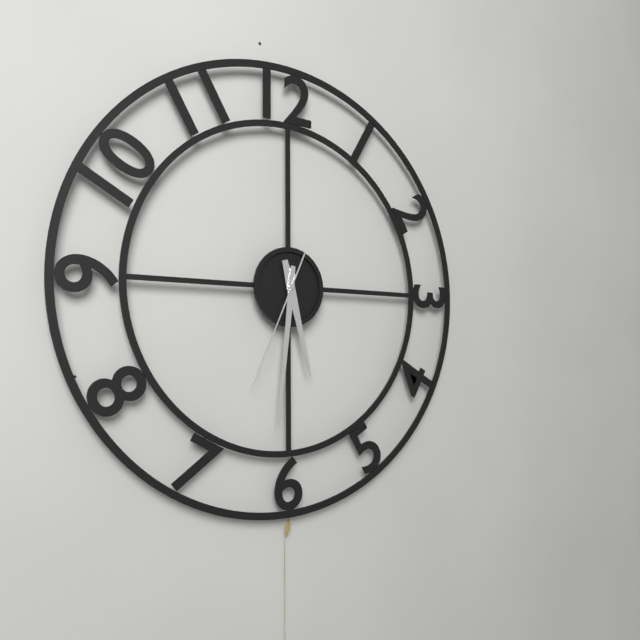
5:31:34
